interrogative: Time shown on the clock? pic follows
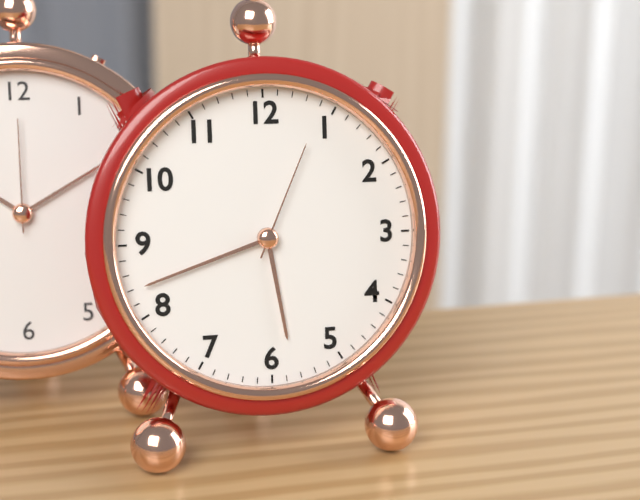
5:42:04
